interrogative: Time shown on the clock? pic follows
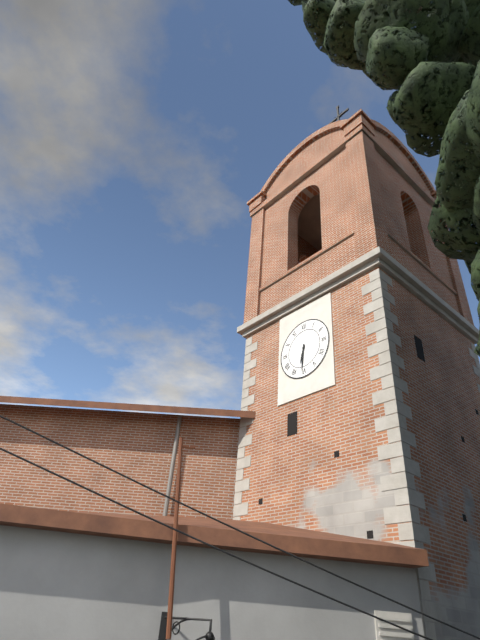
6:31
